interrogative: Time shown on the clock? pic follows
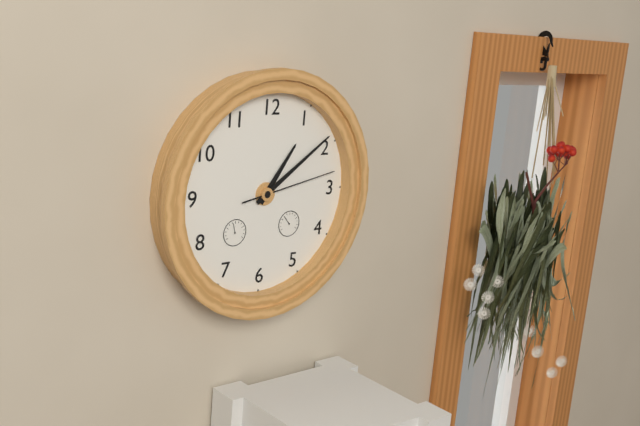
1:09:13
